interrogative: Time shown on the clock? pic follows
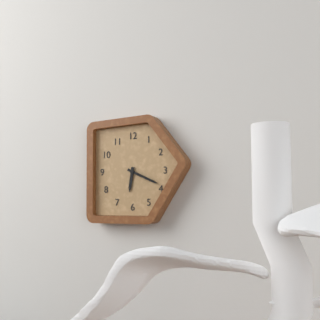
6:19
